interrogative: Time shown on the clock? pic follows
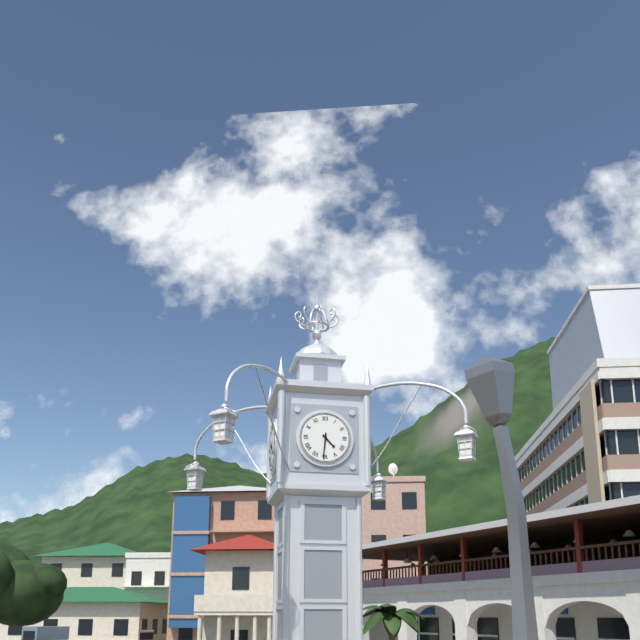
4:31
